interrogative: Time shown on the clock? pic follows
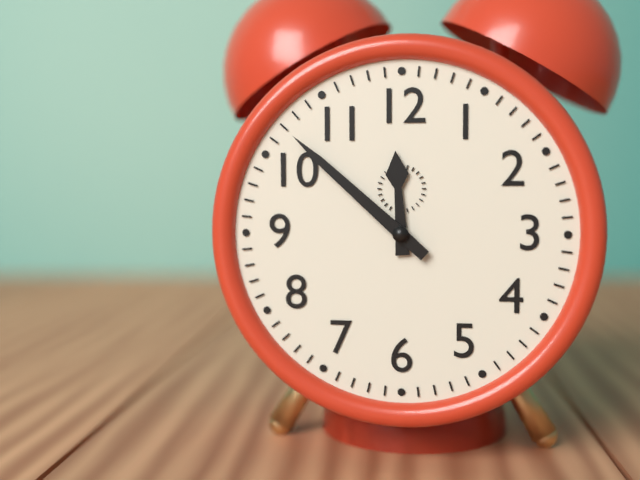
11:52
